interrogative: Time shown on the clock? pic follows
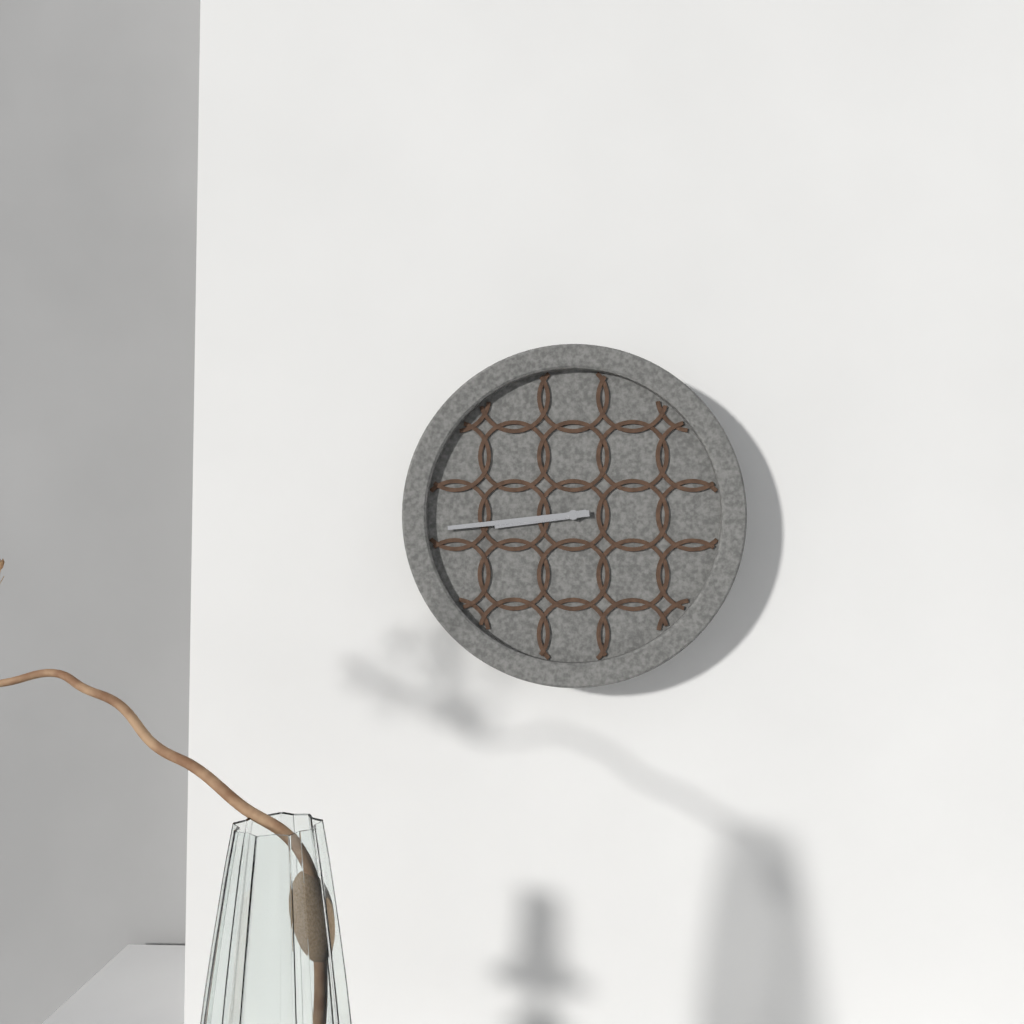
8:44
